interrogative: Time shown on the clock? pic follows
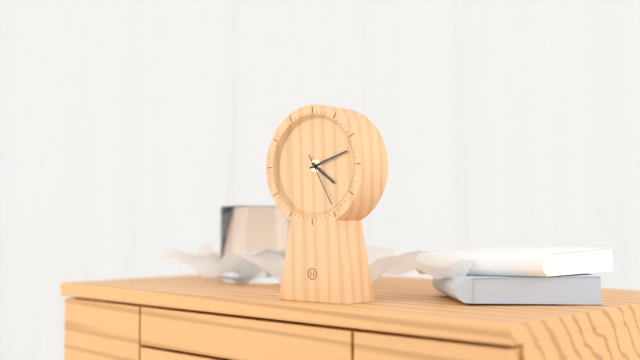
4:12:25
